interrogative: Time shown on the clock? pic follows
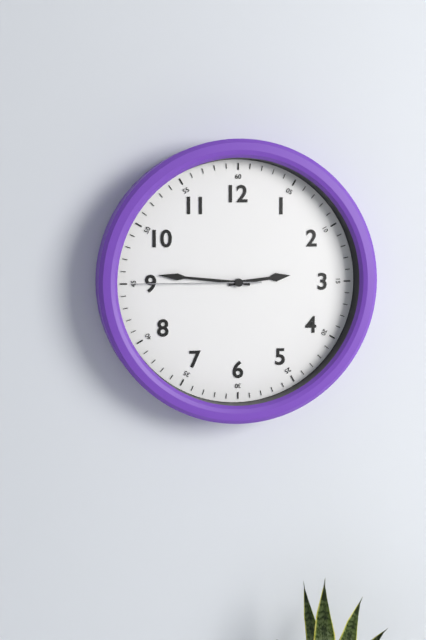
2:46:45
